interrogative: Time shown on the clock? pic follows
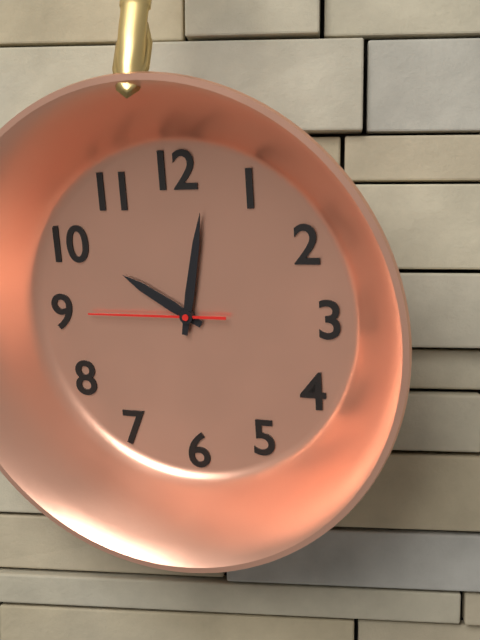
10:02:45
